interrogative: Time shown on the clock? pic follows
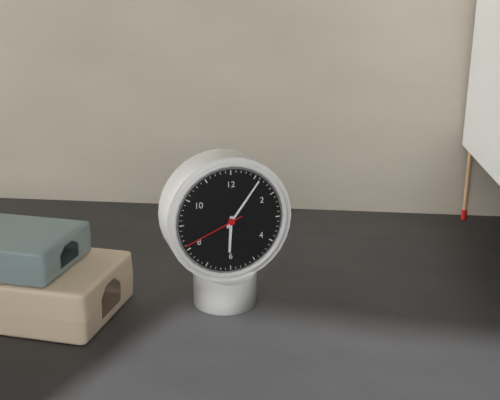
6:06:41
